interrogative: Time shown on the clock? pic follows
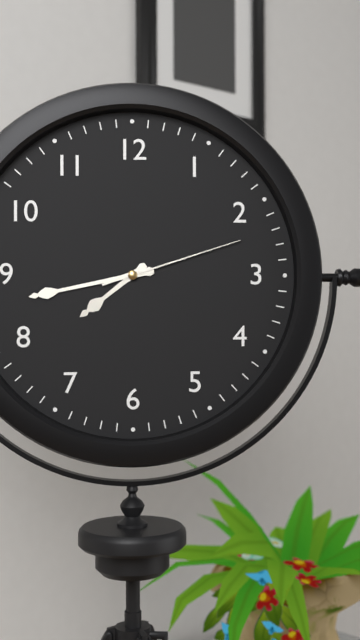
7:43:12
